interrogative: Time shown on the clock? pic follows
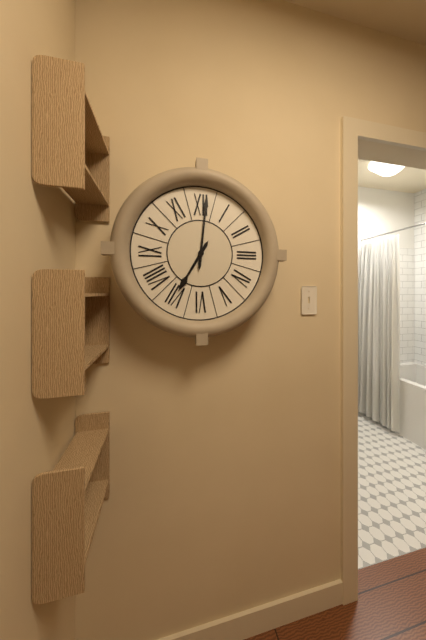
7:01
